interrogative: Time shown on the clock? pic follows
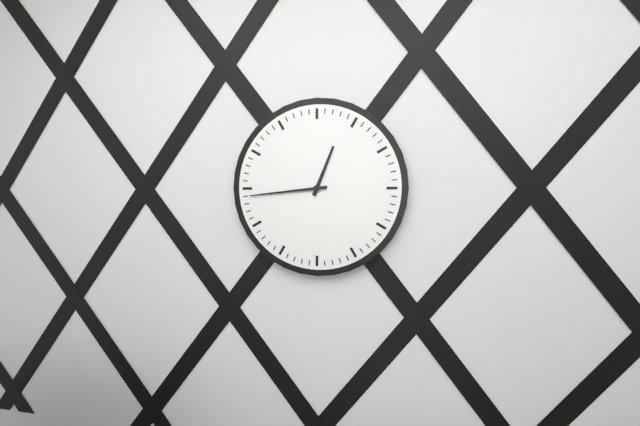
12:44
